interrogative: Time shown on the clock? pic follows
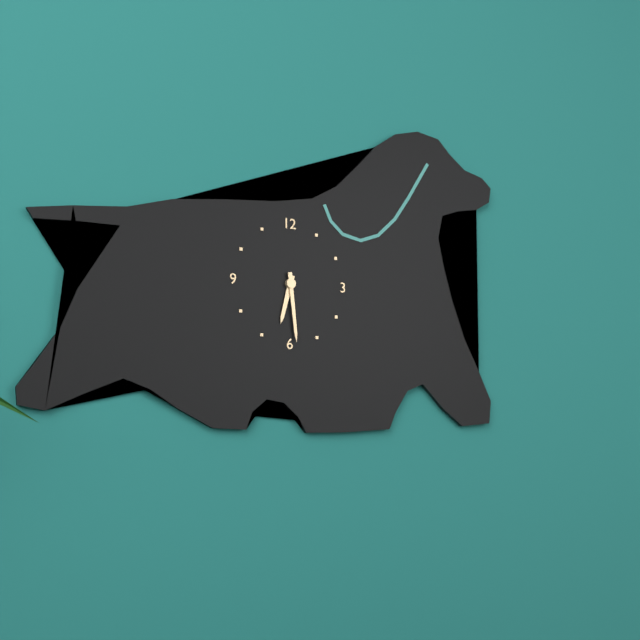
6:29
